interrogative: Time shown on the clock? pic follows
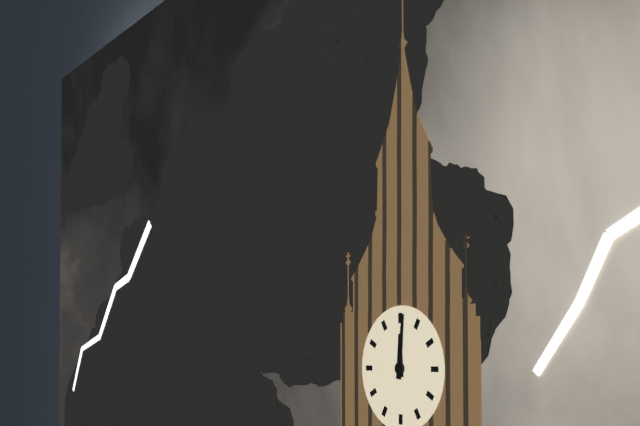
12:01
